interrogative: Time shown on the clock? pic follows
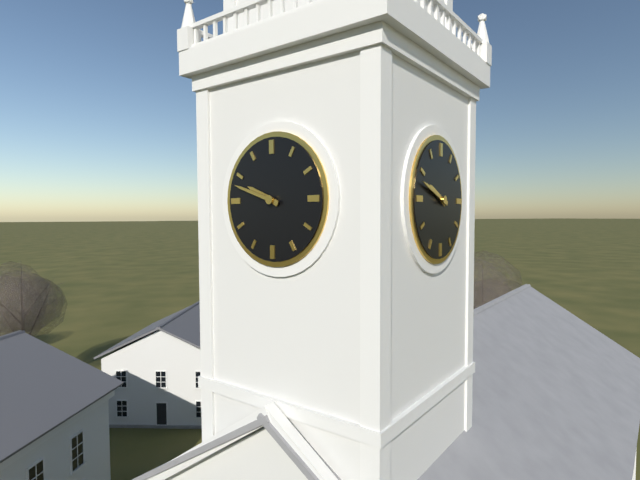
9:48
